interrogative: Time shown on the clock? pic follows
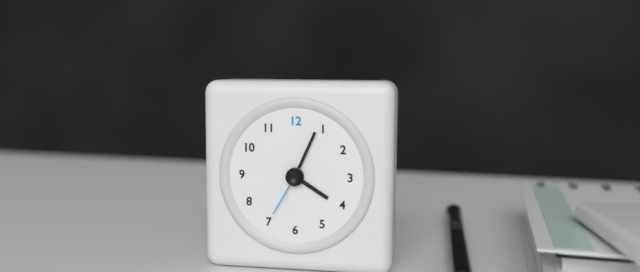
4:04:35
